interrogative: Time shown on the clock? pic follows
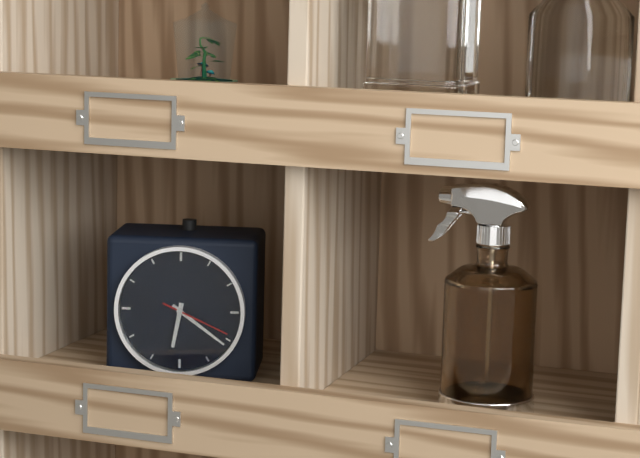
6:21:19
